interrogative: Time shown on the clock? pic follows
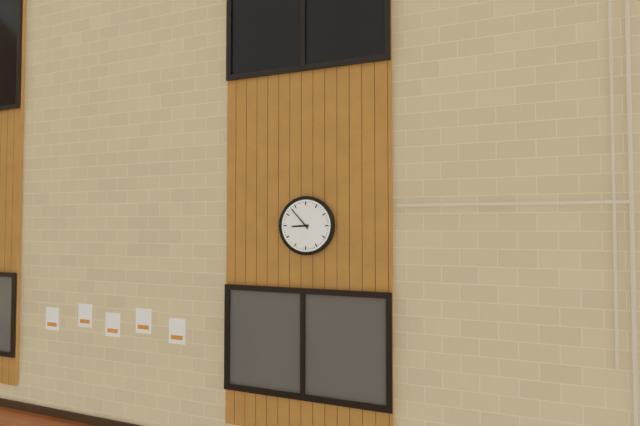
8:53
